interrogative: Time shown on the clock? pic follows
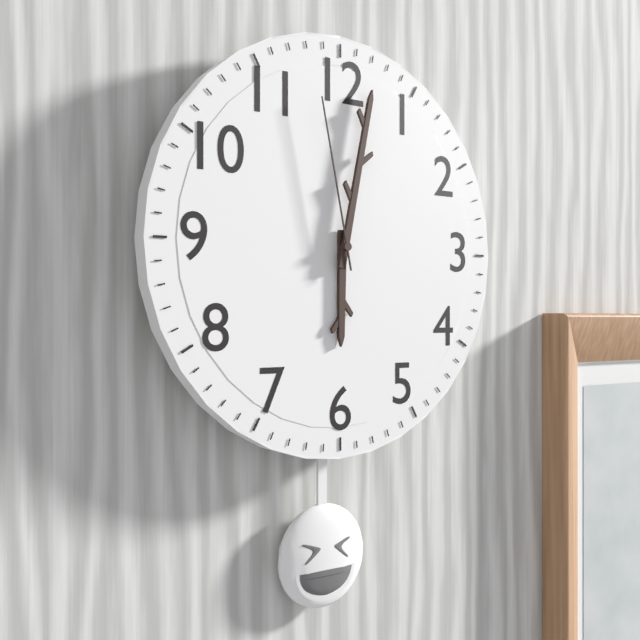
6:02:58
